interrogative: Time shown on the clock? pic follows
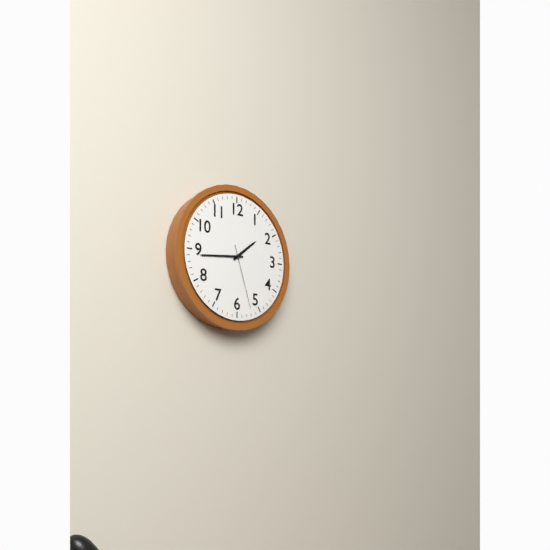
1:44:27
